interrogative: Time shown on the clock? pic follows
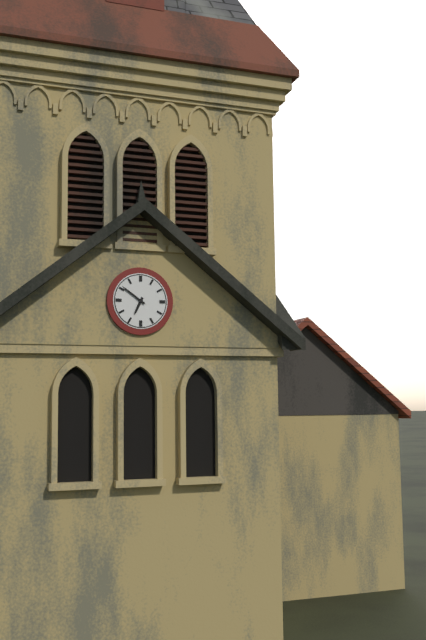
6:51
